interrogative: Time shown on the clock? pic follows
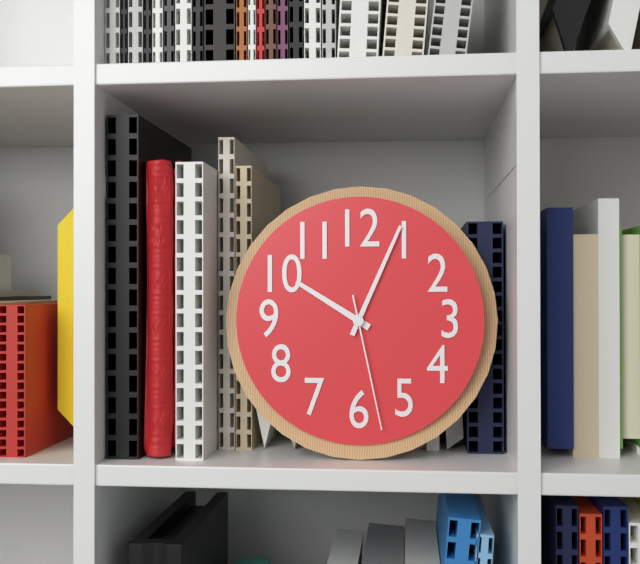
10:04:28
